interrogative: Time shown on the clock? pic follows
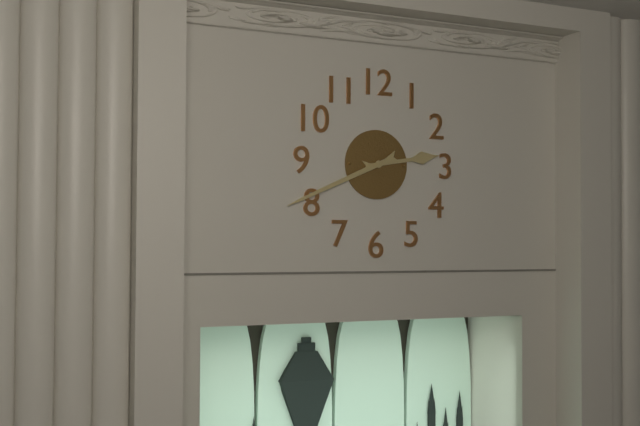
2:41
